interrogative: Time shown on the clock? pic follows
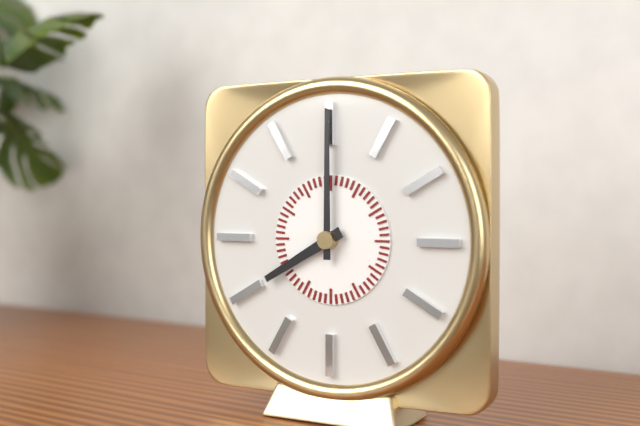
8:00
